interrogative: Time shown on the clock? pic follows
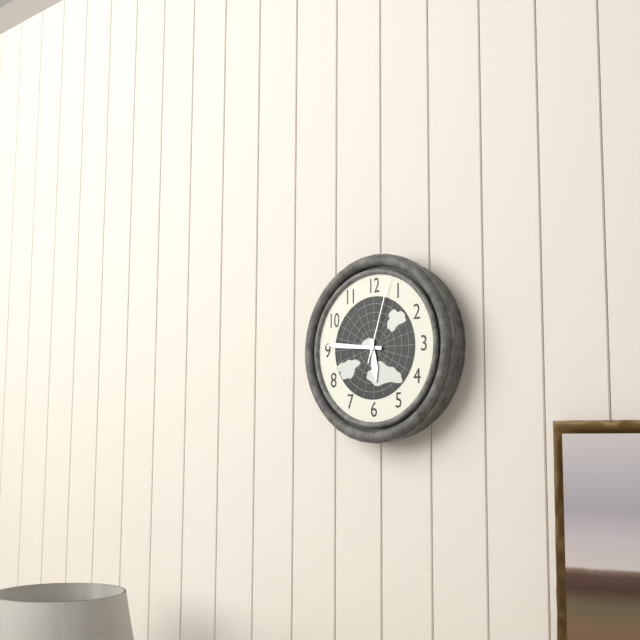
5:46:03
